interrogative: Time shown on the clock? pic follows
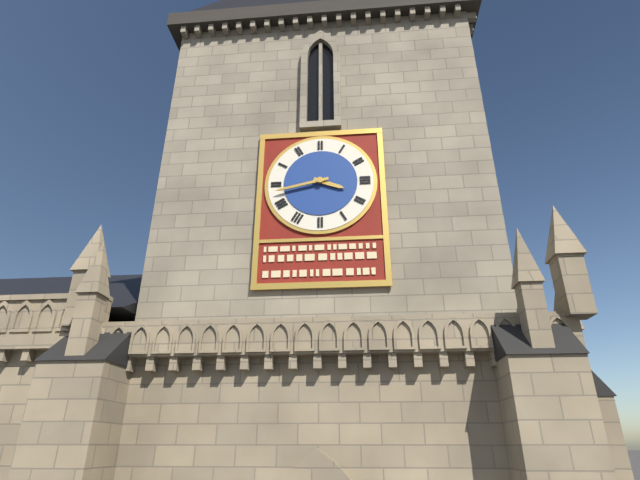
3:43
